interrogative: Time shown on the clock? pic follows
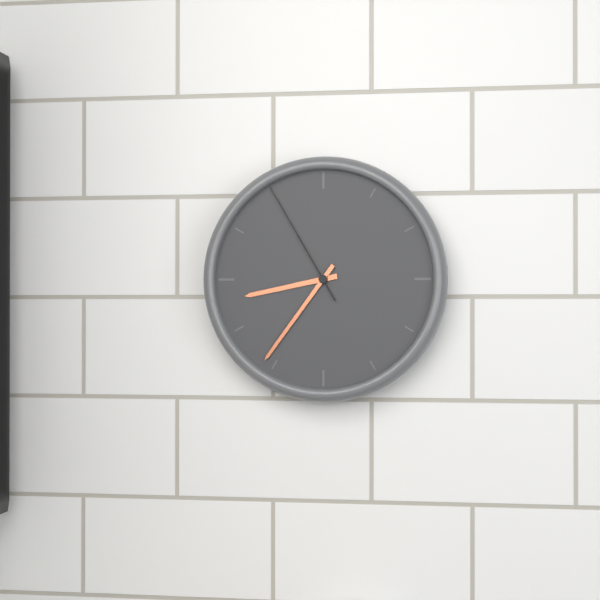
8:36:55
